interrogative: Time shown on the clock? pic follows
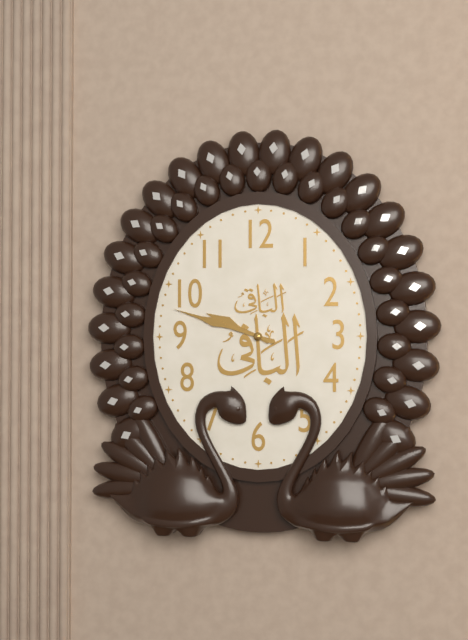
9:48
